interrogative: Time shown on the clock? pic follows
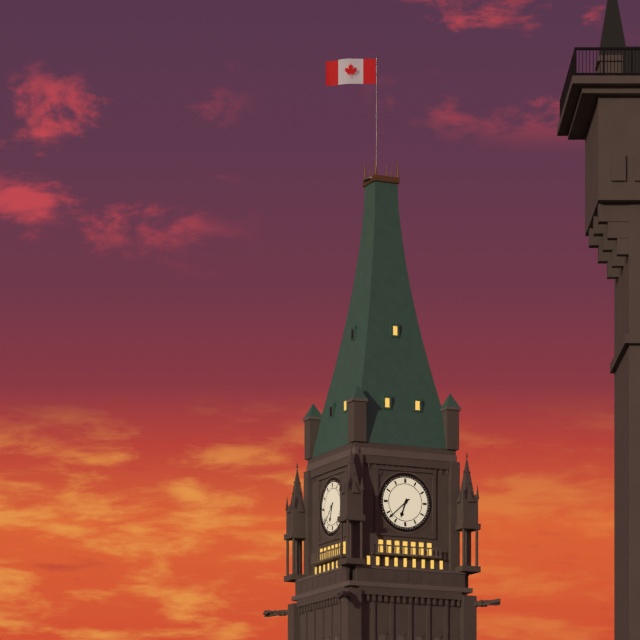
6:38
